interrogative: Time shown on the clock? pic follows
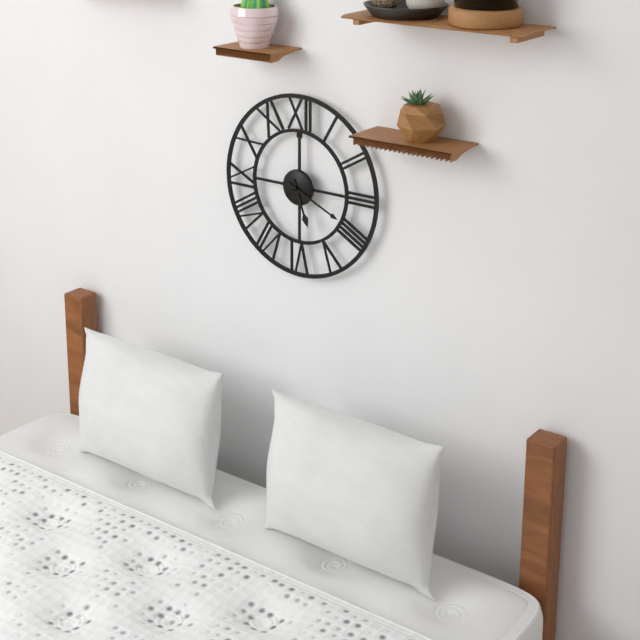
5:19
